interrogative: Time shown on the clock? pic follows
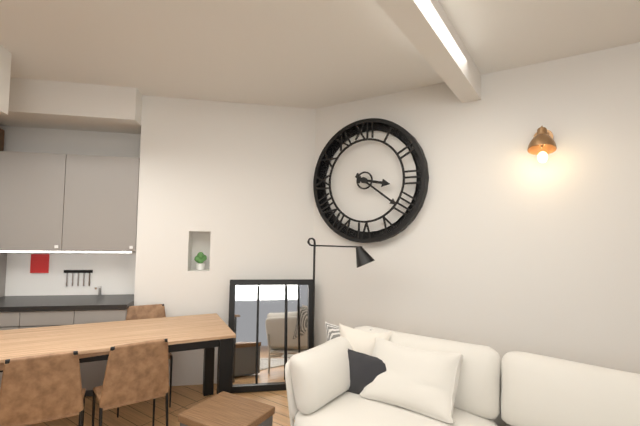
3:21
